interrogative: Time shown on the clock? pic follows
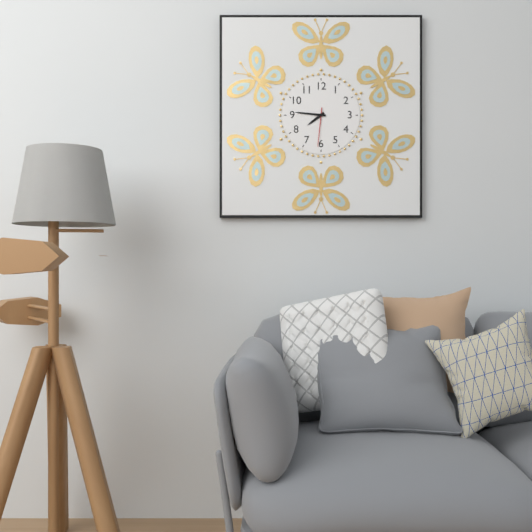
7:46
